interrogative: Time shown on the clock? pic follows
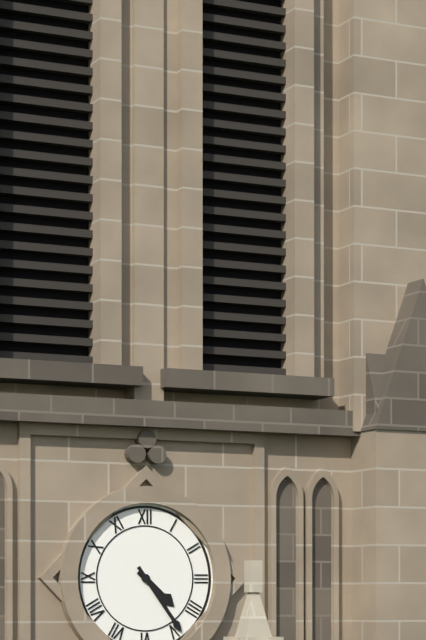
4:24
